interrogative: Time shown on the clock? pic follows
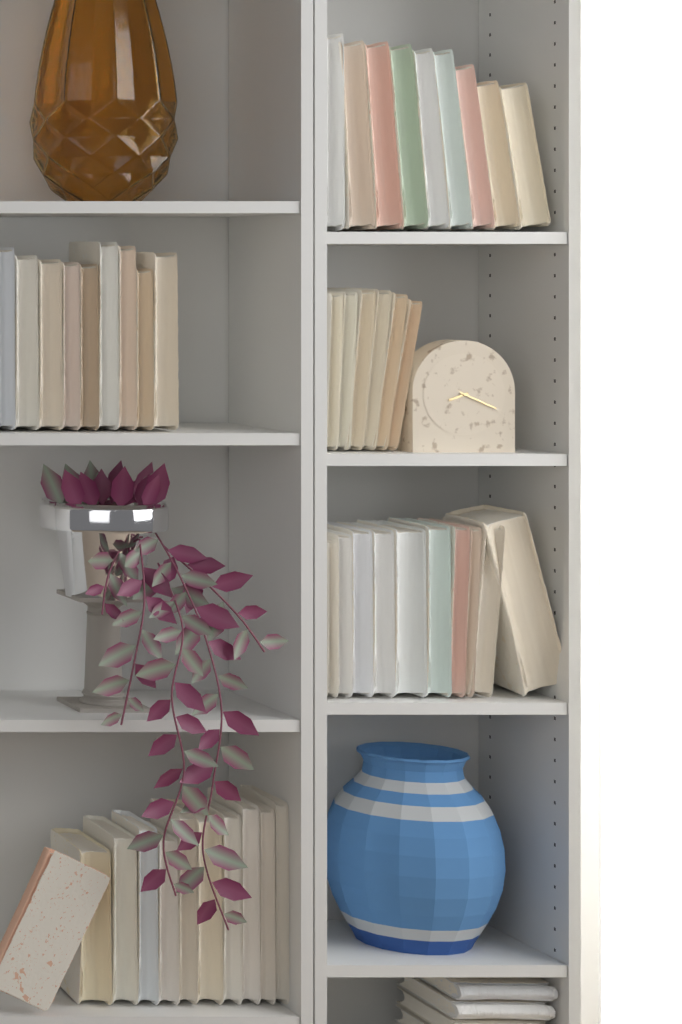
8:19
